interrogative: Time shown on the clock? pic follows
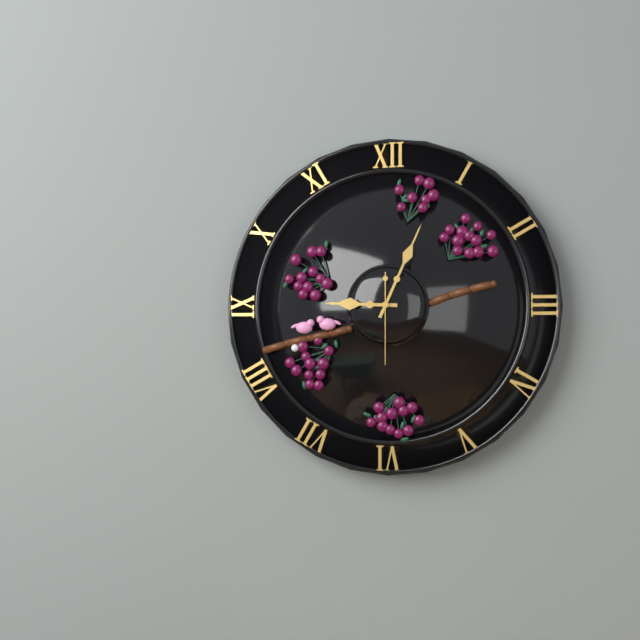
9:04:30
